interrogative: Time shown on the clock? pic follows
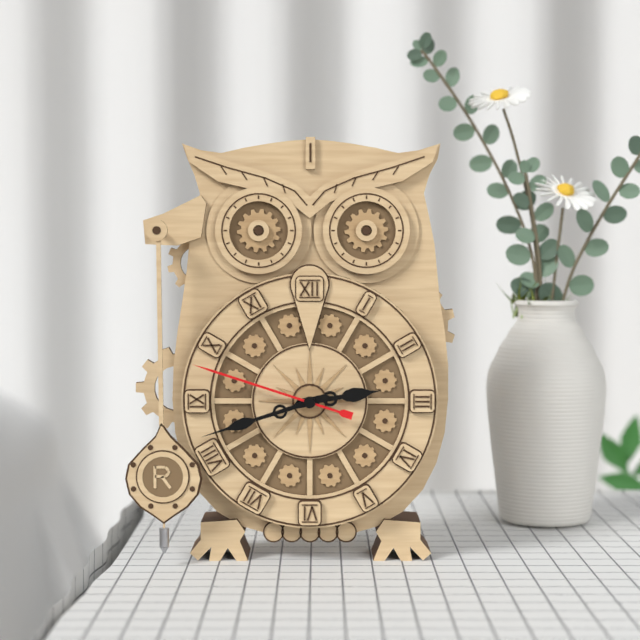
2:42:48
